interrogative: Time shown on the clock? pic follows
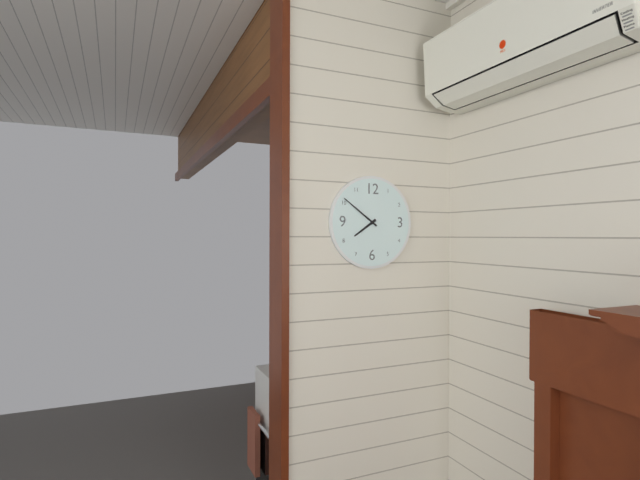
7:51
